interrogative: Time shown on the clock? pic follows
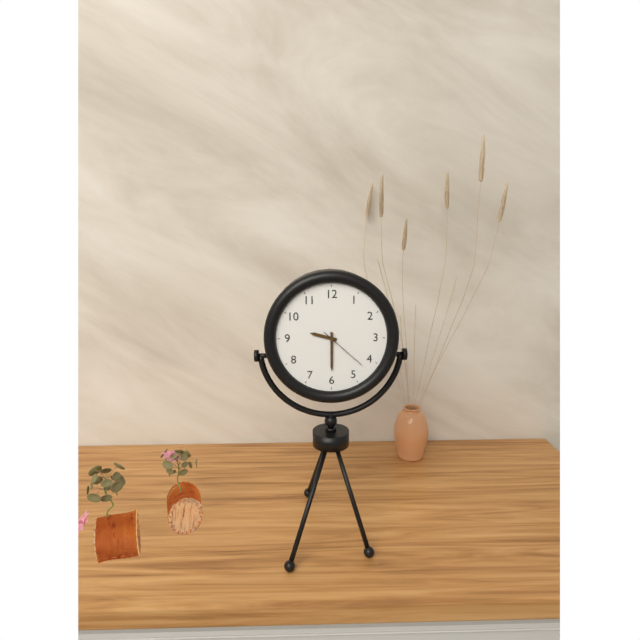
9:30:22
